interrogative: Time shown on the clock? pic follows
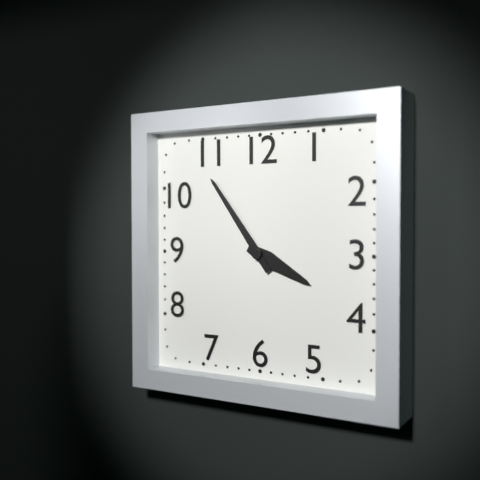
3:54
